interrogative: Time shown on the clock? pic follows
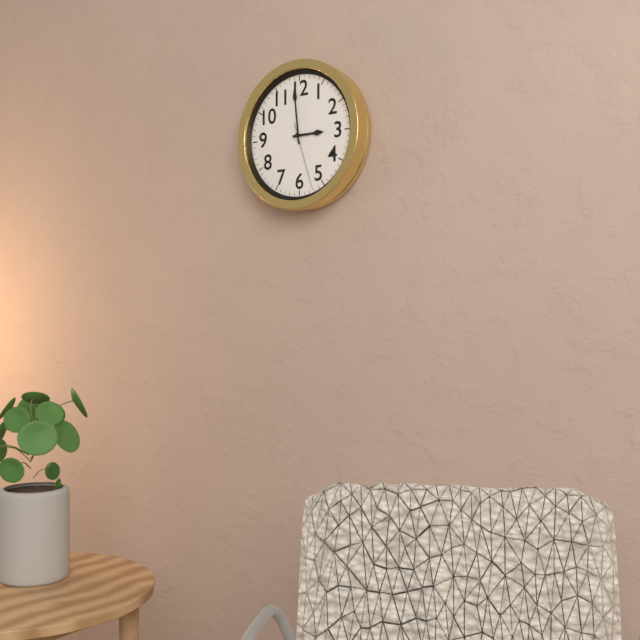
2:59:27
